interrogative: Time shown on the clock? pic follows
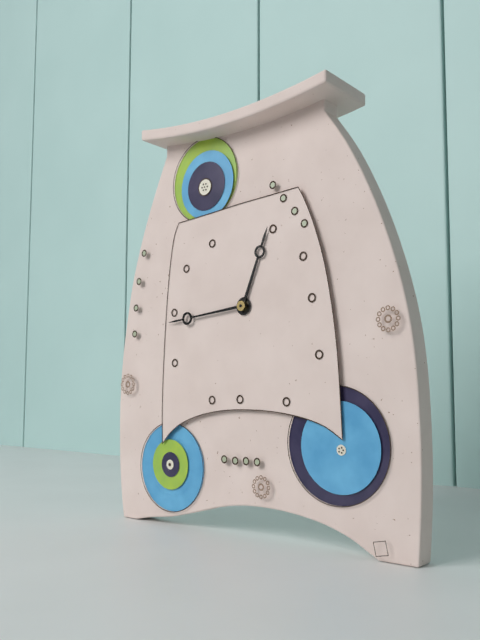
12:44
